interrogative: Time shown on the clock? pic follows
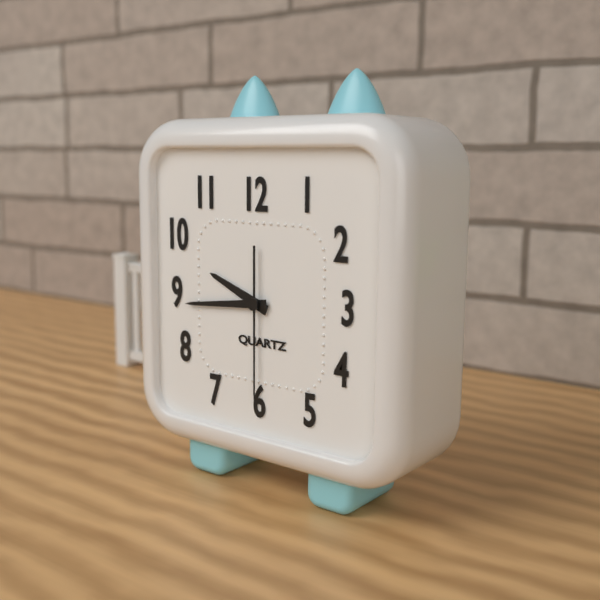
9:44:30
